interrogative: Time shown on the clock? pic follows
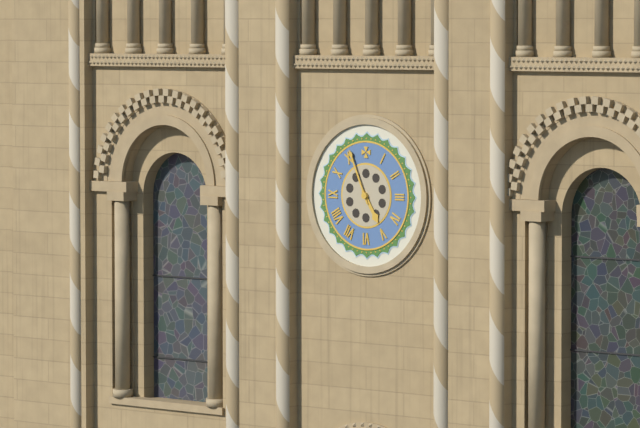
4:56
